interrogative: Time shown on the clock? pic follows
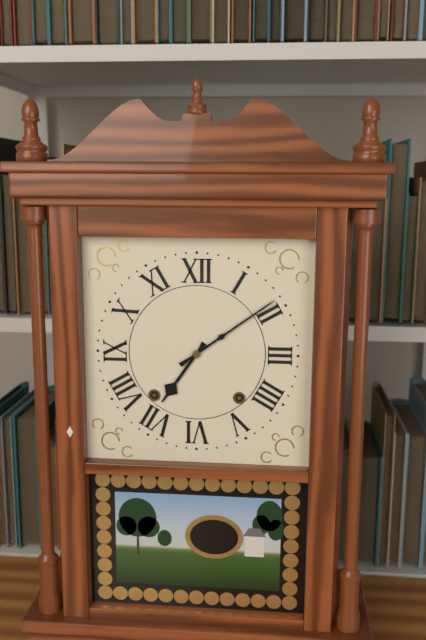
7:09
